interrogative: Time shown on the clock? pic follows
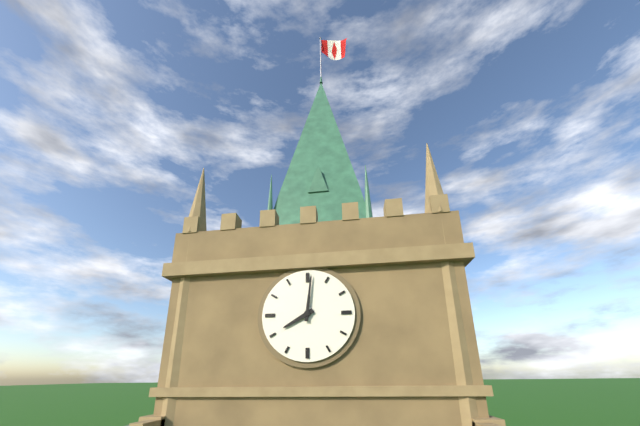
8:01
